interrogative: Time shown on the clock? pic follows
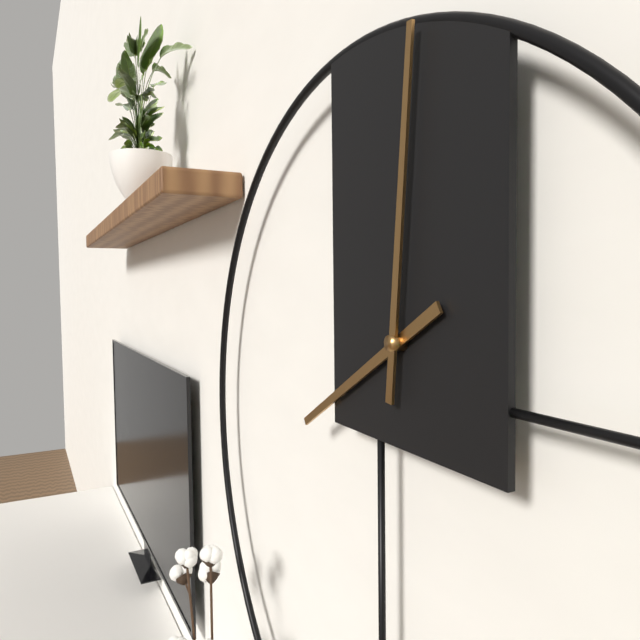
8:01
